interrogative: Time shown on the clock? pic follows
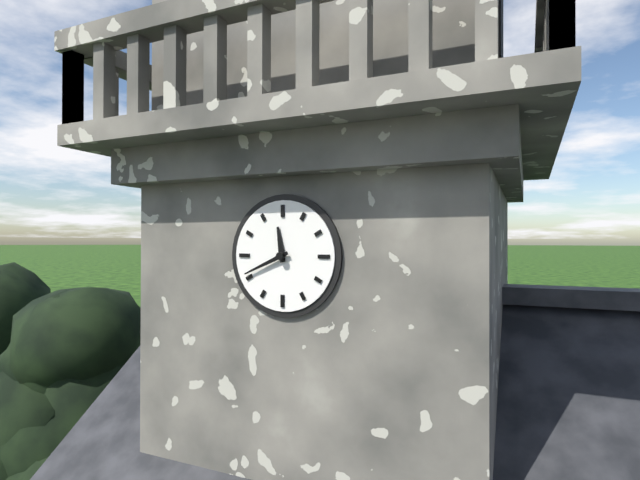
11:41
